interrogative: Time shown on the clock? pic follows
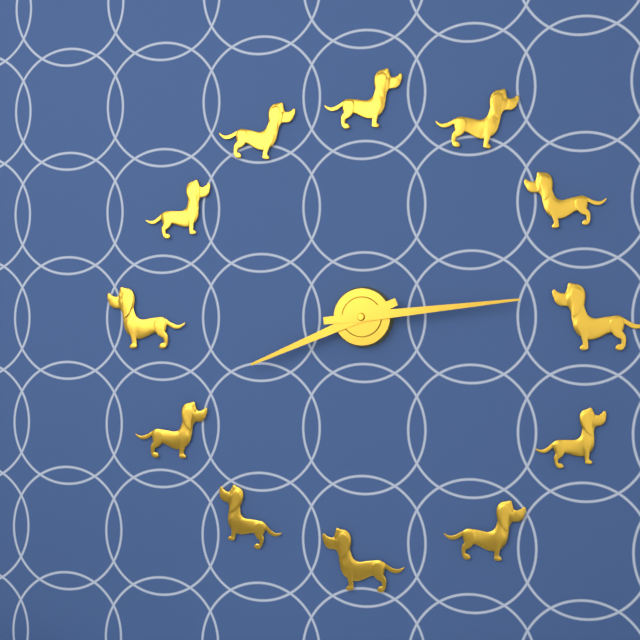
8:14
